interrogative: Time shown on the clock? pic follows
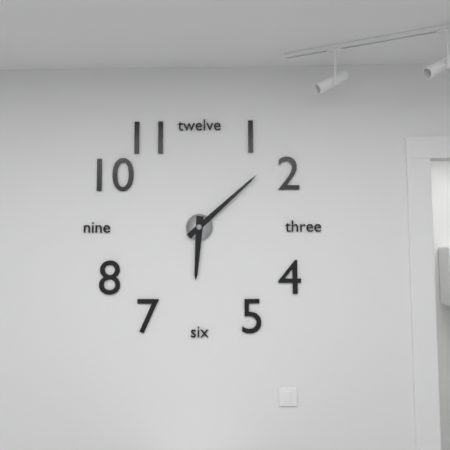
6:08
